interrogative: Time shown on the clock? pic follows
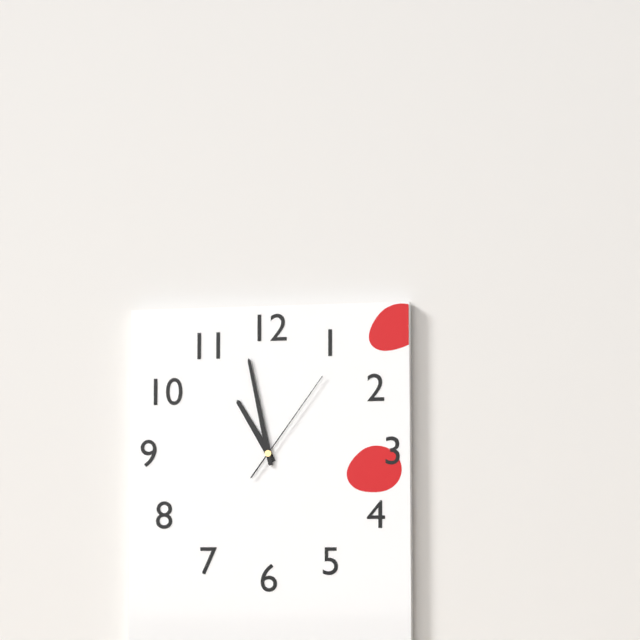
10:58:06
